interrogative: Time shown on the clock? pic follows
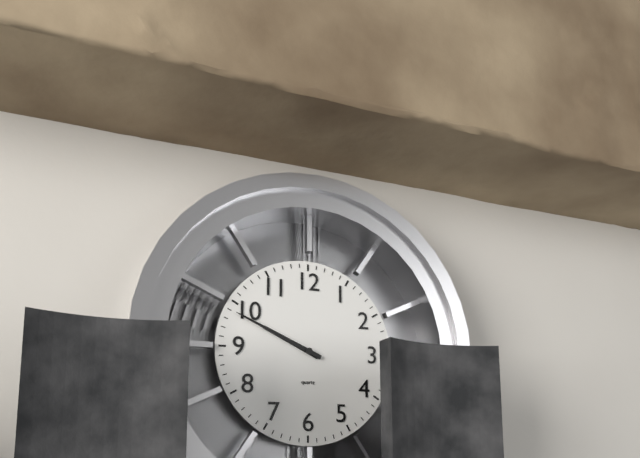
9:49
